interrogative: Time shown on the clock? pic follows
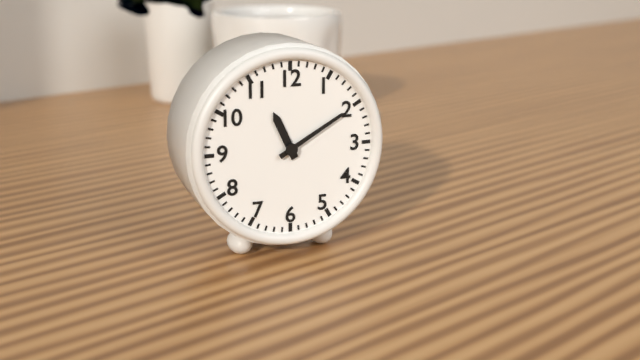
11:10
